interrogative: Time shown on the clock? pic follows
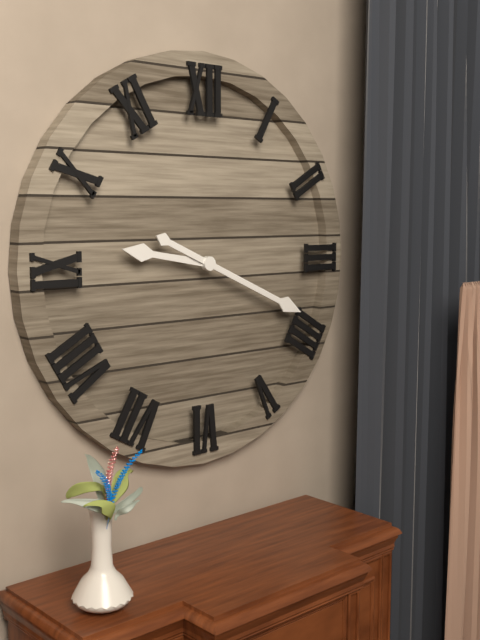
9:19
